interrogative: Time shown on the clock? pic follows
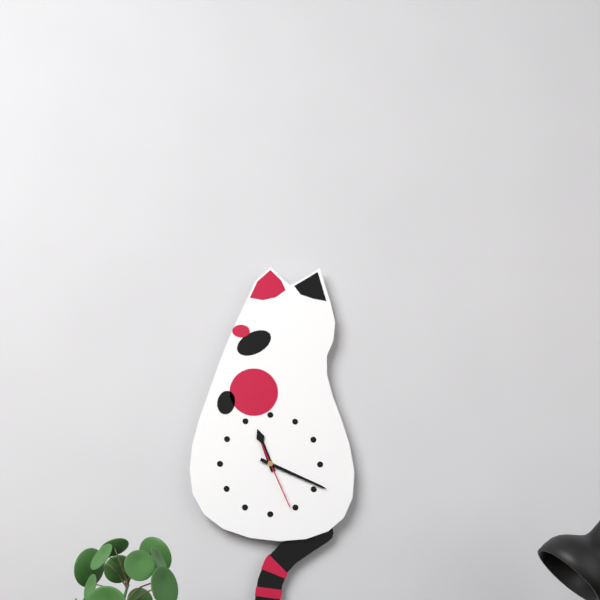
11:19:26
